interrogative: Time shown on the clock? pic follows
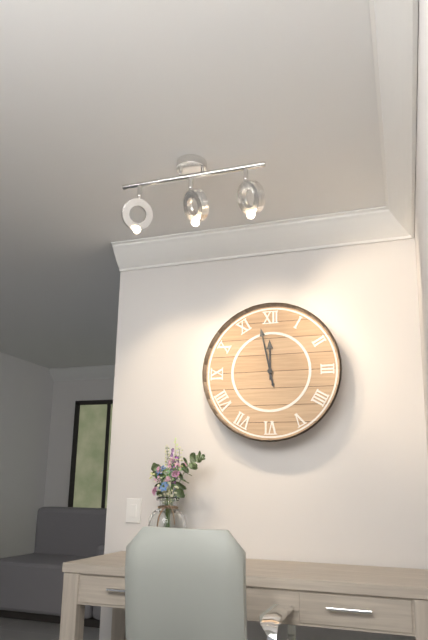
11:58
